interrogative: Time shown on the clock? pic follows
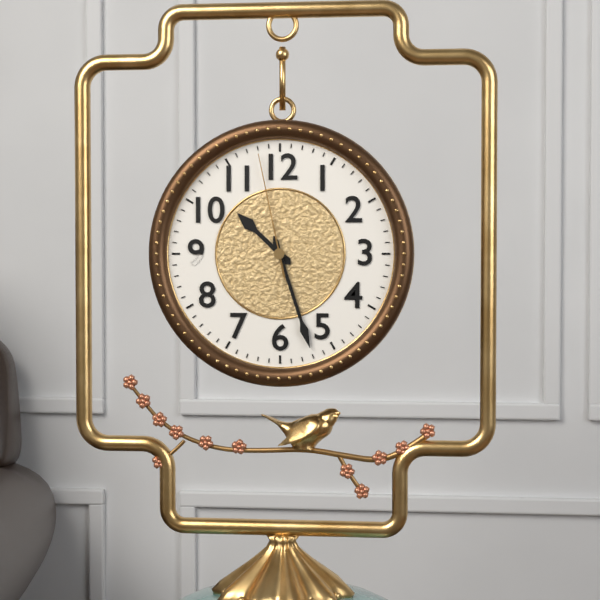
10:27:58
